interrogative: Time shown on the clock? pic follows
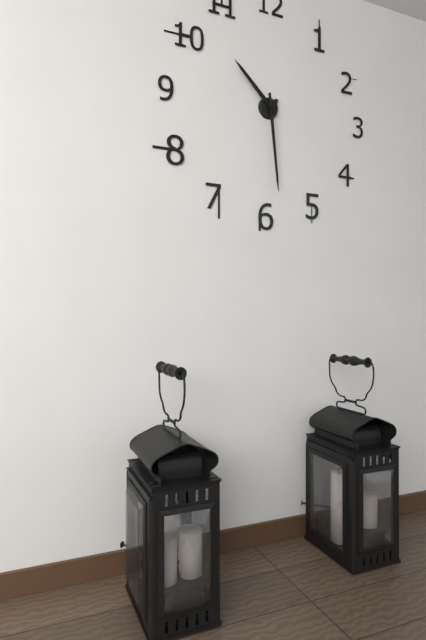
10:29
